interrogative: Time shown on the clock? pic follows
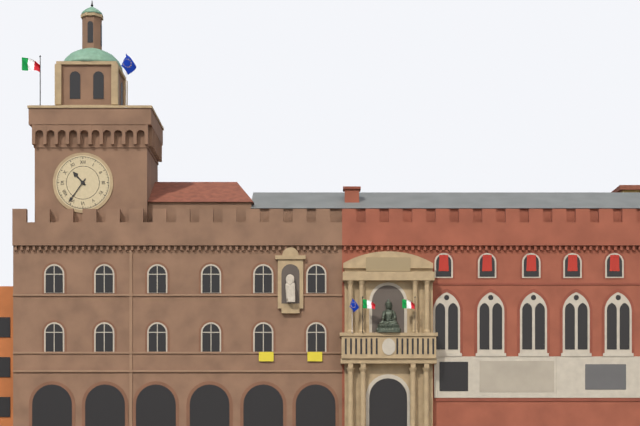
10:36
